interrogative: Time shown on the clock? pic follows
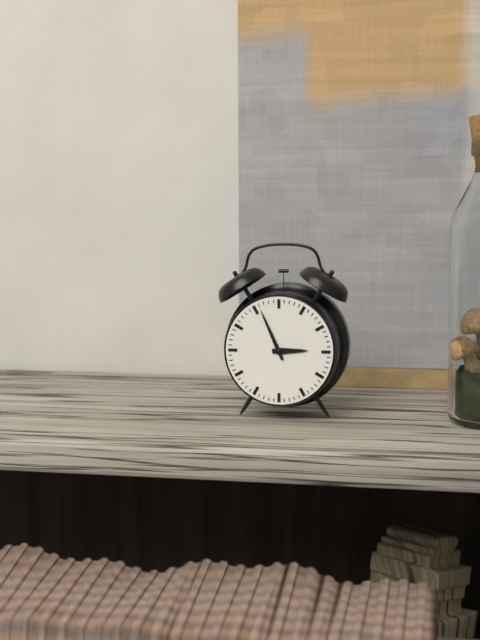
2:56
